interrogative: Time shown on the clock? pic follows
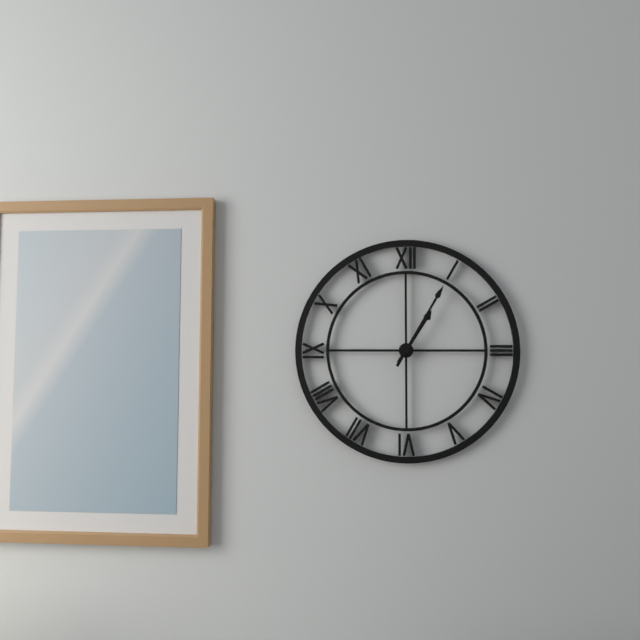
1:05
